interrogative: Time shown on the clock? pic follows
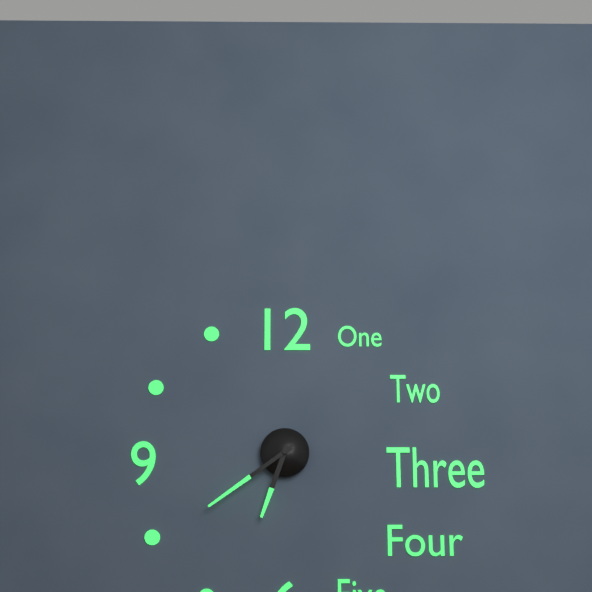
6:39
